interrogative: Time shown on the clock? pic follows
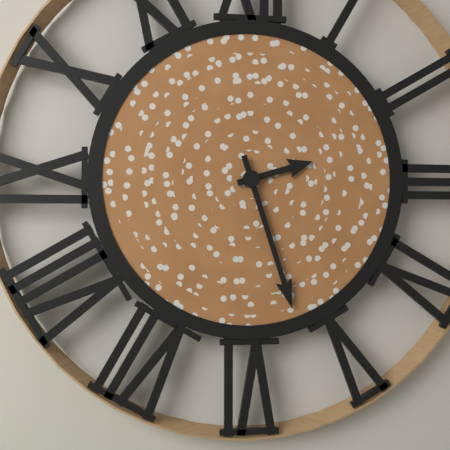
2:27
